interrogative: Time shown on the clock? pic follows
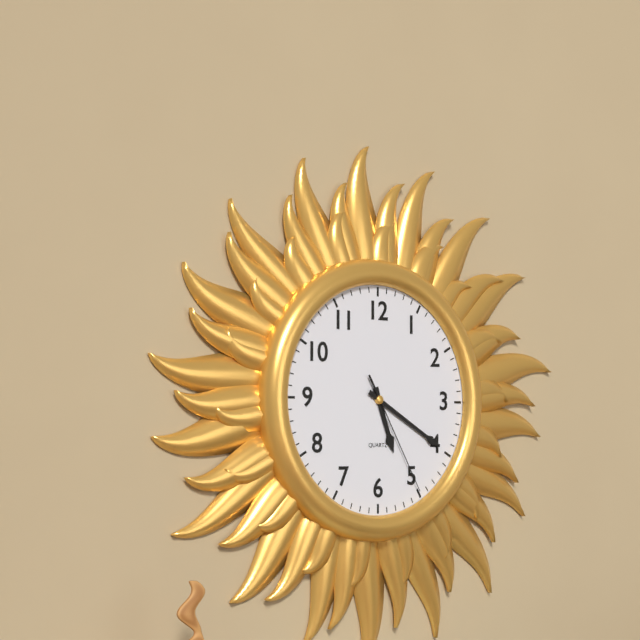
5:20:25
